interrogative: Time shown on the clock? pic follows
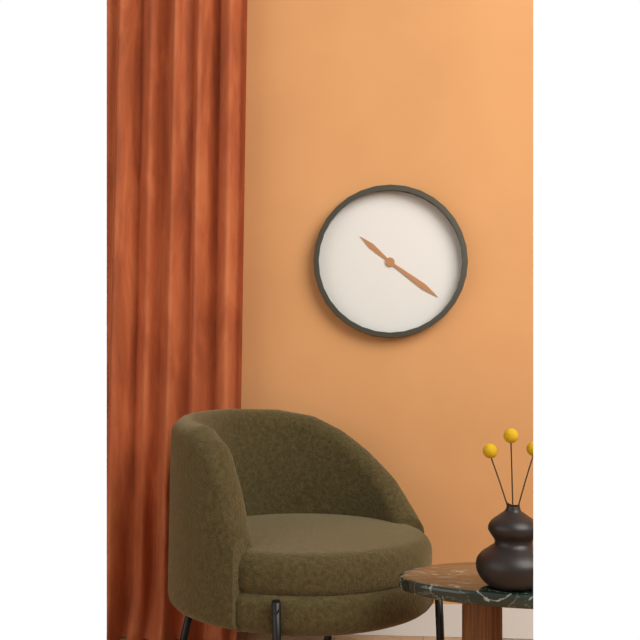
10:21
